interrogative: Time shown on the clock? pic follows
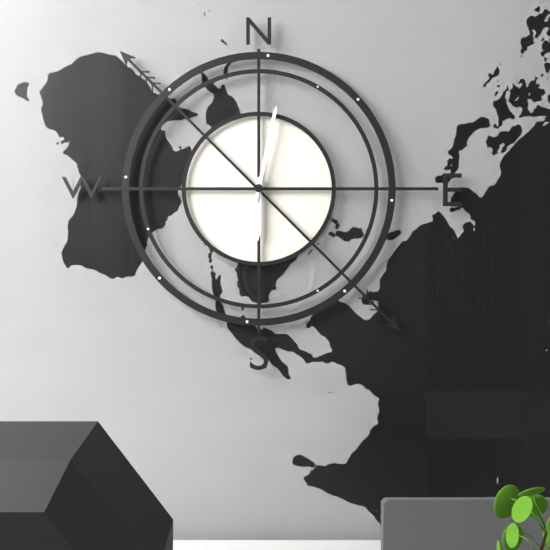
6:02
